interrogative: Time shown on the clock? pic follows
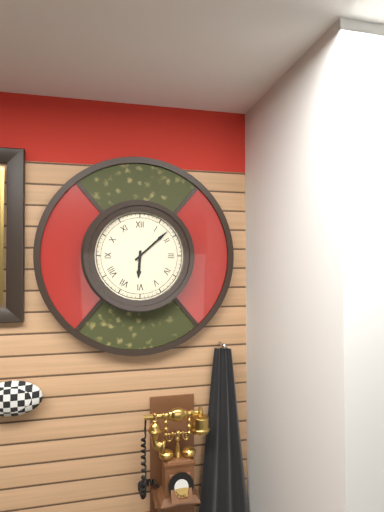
6:08
